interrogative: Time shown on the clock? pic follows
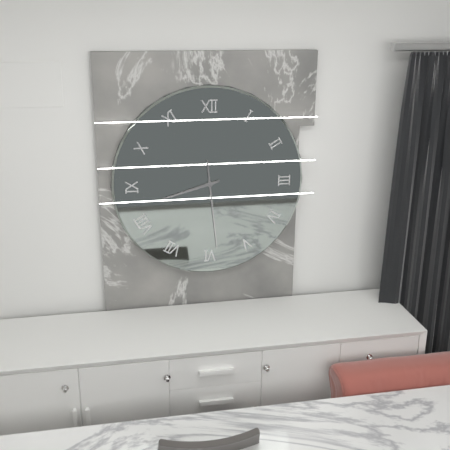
8:29
